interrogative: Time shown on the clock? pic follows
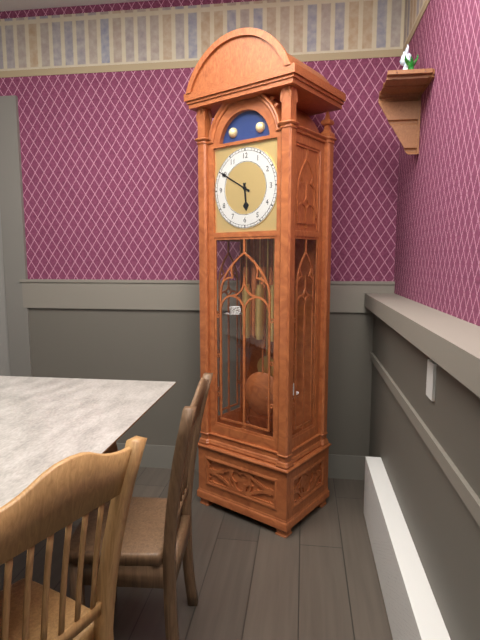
5:50
